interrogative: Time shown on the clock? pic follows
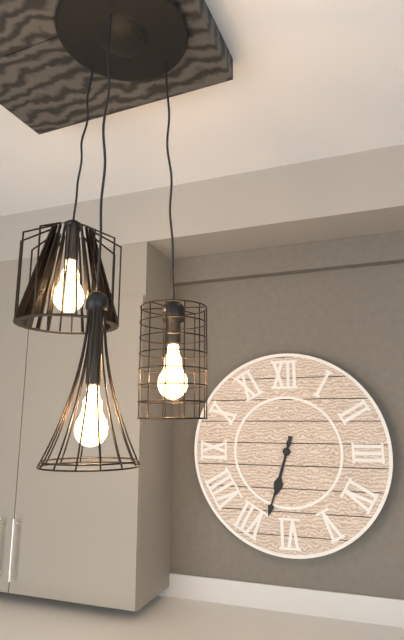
6:33
